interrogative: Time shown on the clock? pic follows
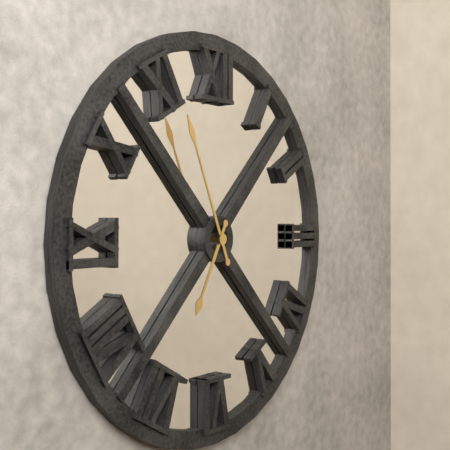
6:56
